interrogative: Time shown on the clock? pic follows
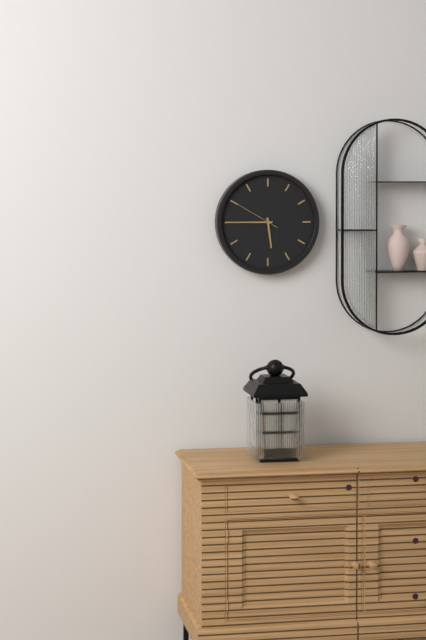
5:45:50
